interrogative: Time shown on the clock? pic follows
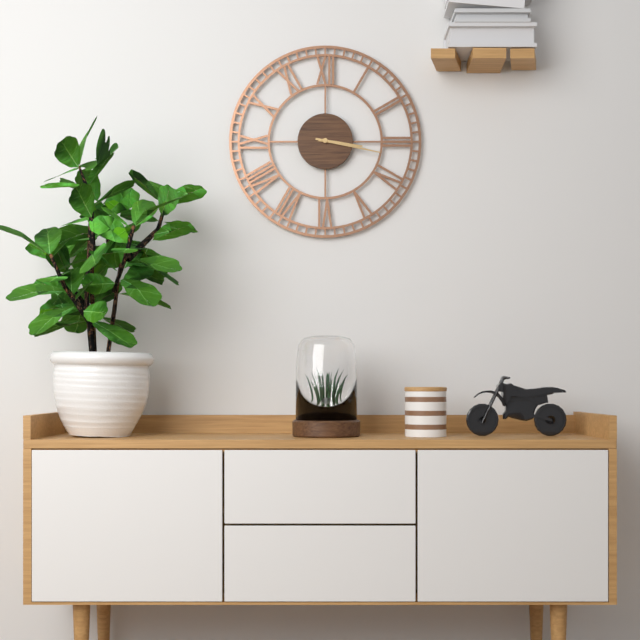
3:17
